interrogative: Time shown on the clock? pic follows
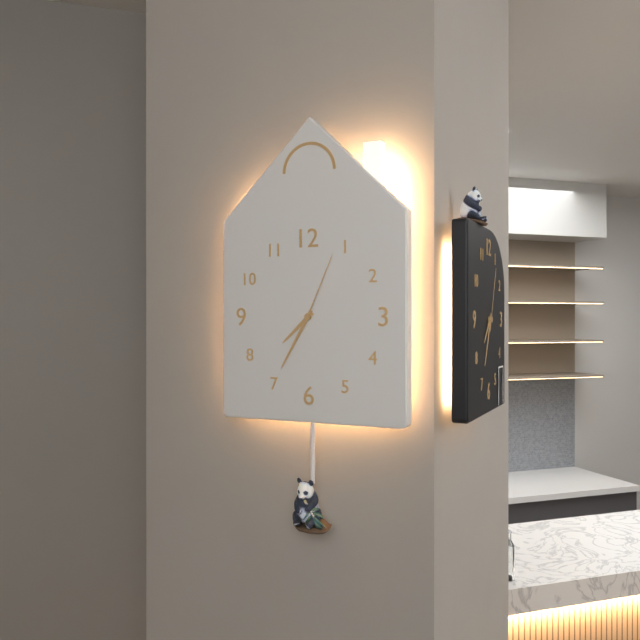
7:35:04
